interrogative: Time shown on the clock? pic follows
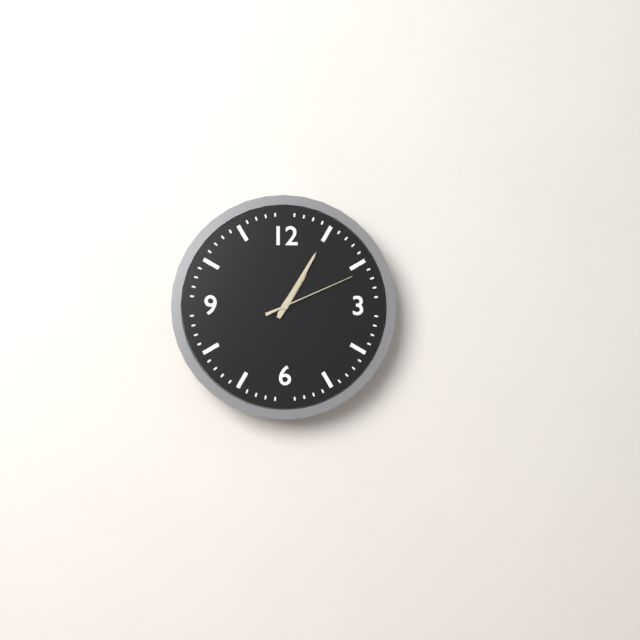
1:05:11
